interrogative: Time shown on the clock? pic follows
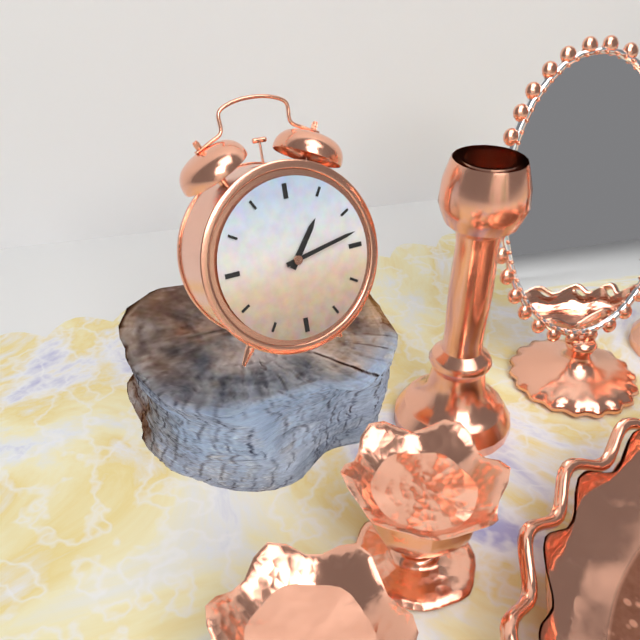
1:13
